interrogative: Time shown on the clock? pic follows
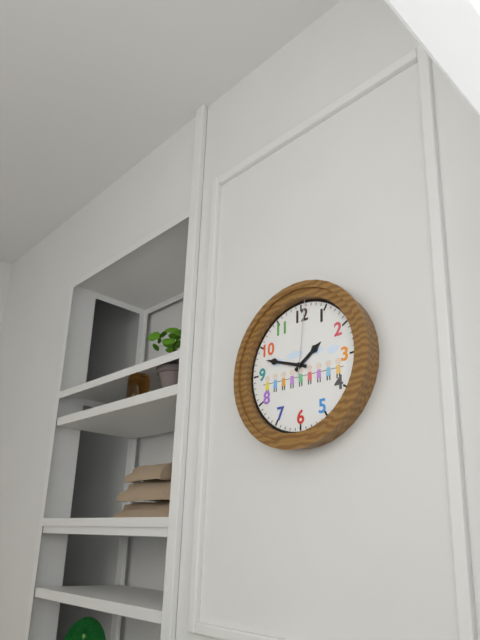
1:48:01
